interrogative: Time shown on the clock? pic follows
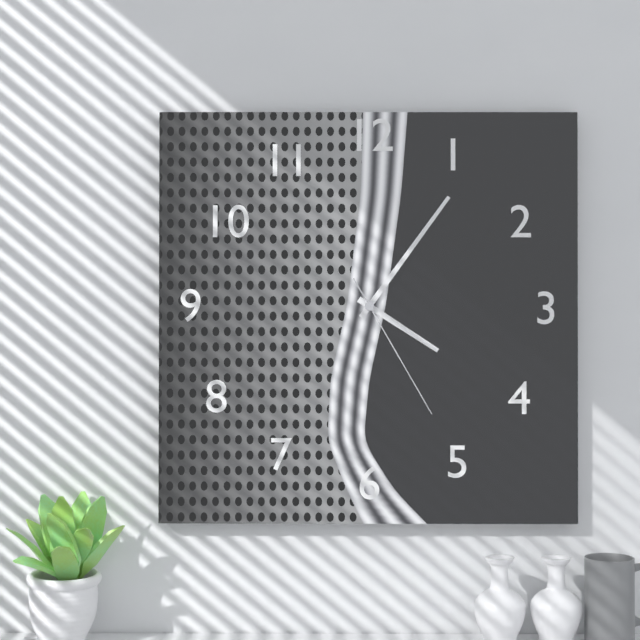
4:06:25
